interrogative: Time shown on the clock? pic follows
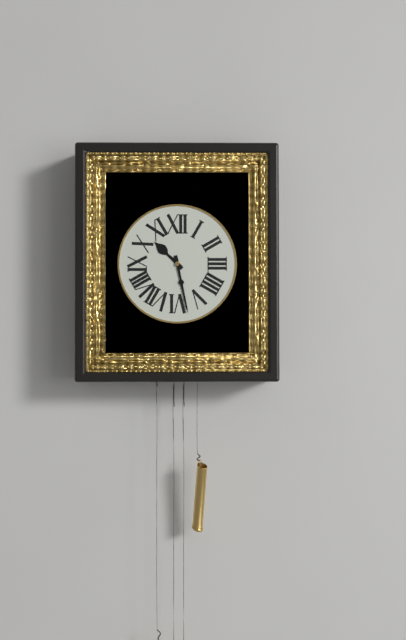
10:28
